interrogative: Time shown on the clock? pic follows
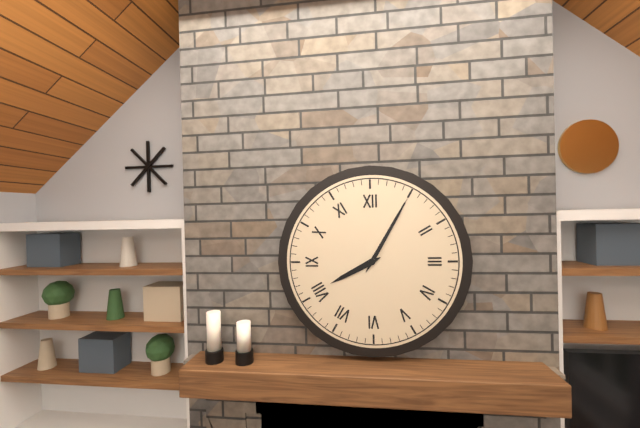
8:05
